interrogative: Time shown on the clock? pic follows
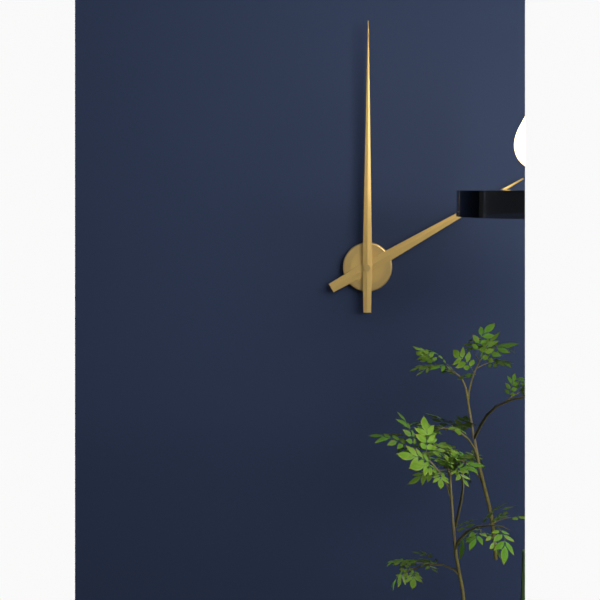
2:00
